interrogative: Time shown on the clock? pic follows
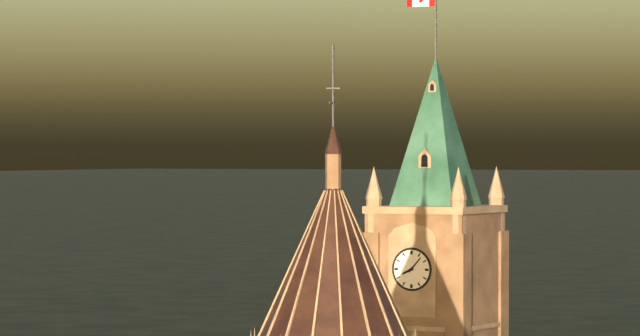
8:07
